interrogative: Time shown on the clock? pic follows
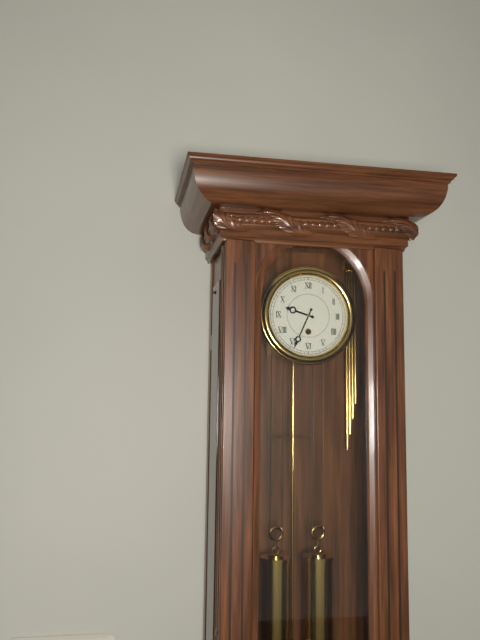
9:34
